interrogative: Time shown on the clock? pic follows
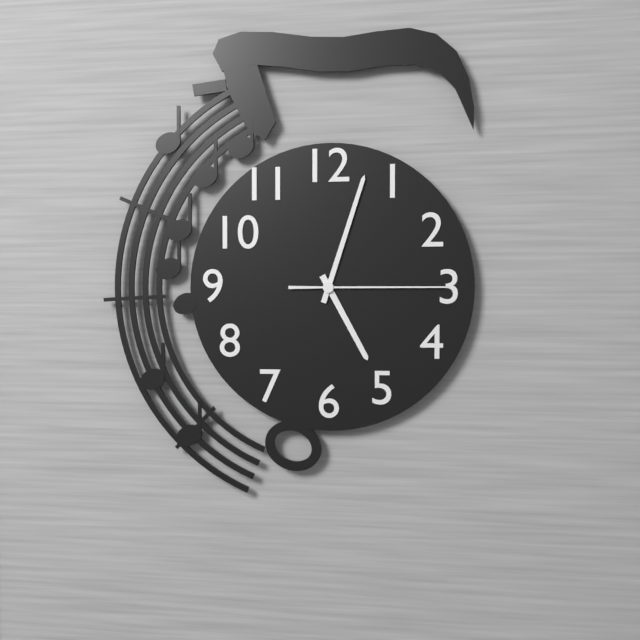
5:03:15
